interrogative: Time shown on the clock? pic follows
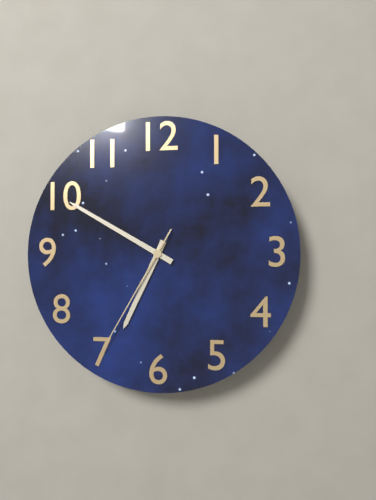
6:50:35
